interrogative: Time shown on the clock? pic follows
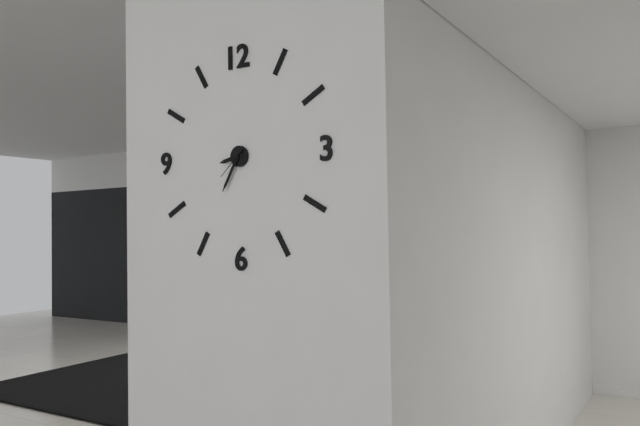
8:35
